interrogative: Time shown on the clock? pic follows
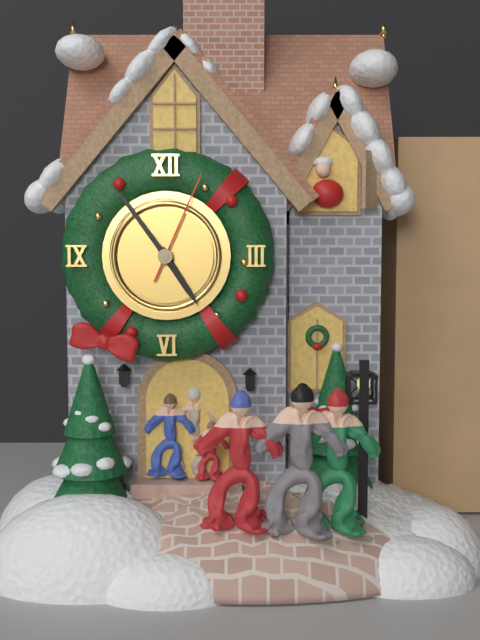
4:54:04
